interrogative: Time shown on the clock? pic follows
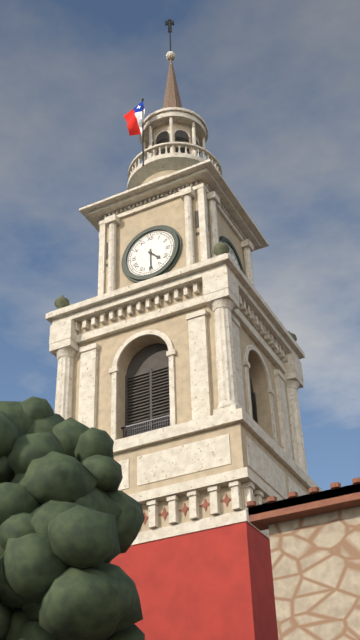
4:30
